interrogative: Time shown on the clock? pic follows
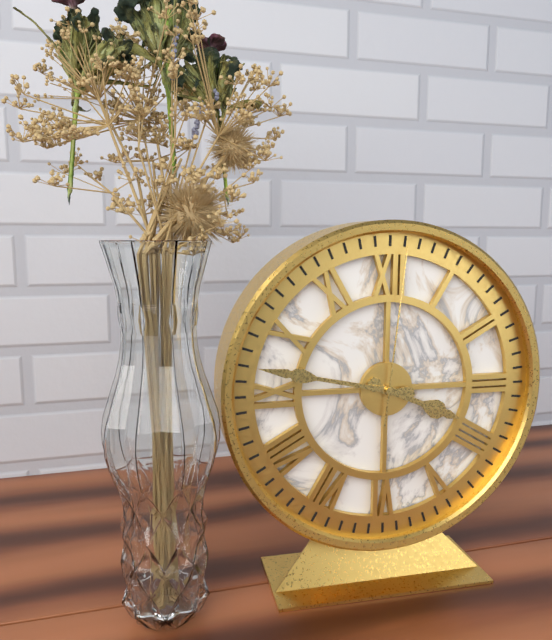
3:47:01
